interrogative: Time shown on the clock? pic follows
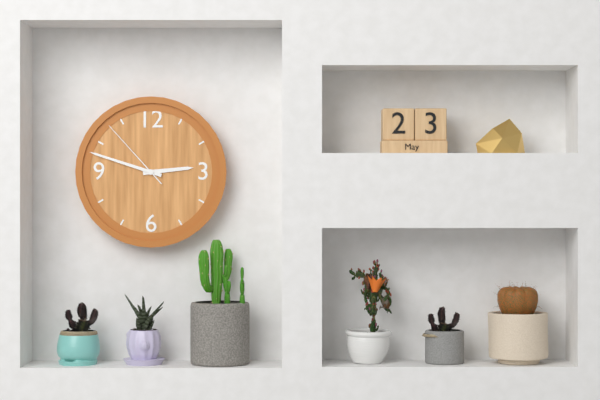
2:48:53
